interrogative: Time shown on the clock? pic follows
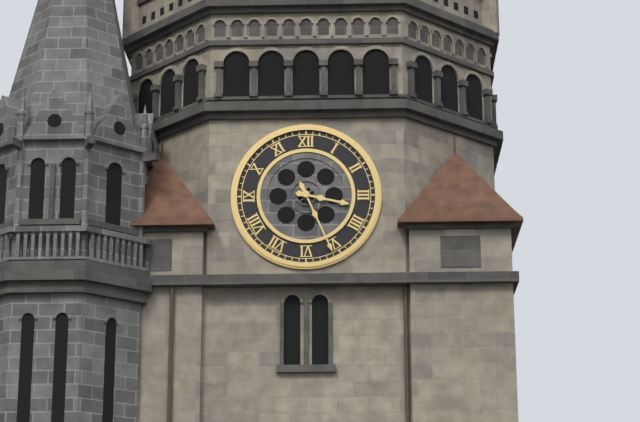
3:26
